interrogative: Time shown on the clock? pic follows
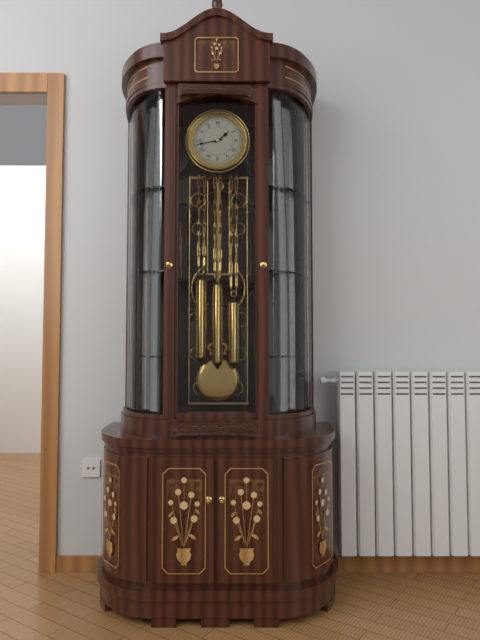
1:43
